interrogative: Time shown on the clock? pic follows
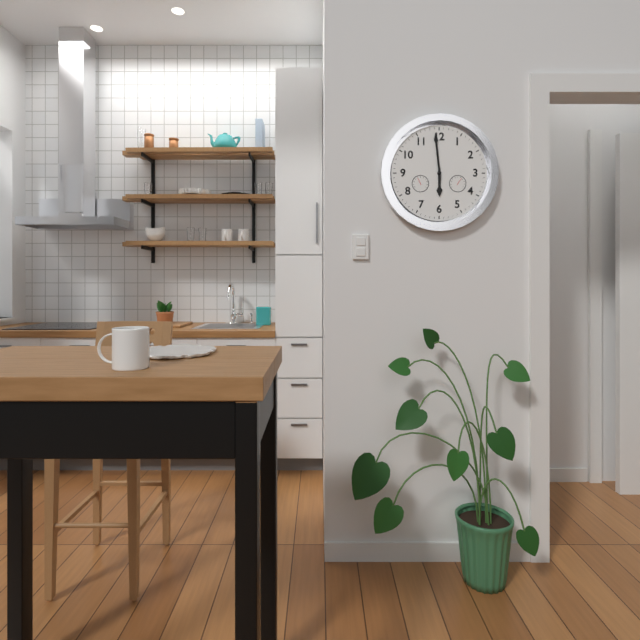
5:59
